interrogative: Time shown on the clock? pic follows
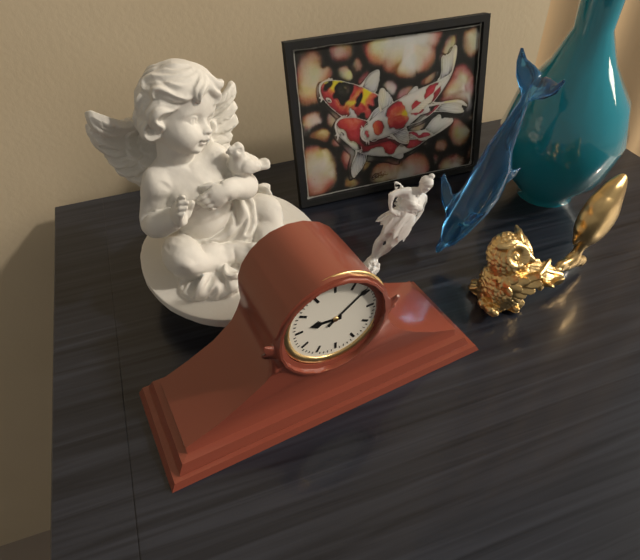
9:09
